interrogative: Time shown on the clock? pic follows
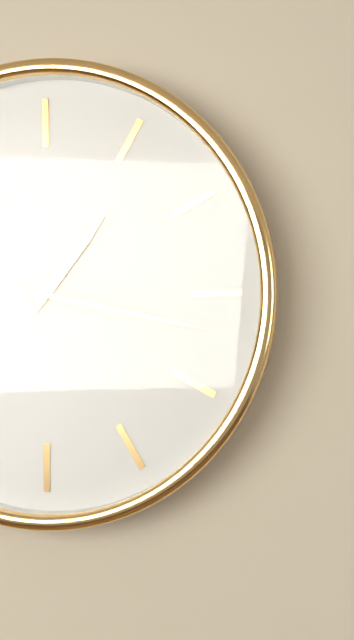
1:17
